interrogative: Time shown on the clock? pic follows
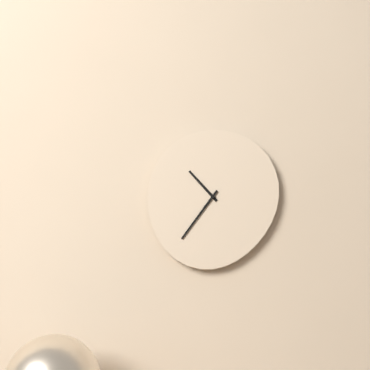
10:36
